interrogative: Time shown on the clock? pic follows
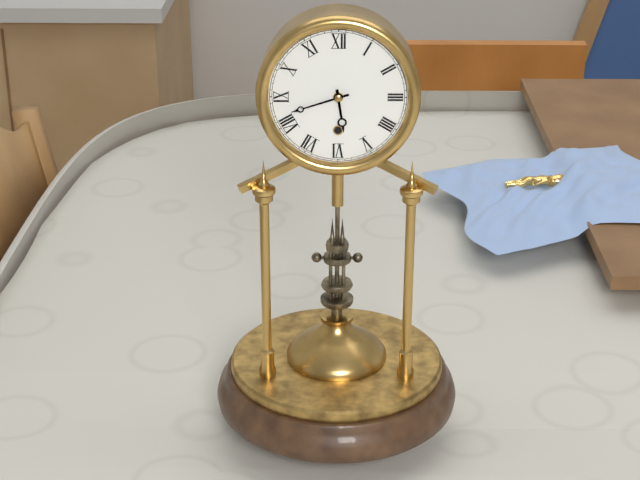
5:42
